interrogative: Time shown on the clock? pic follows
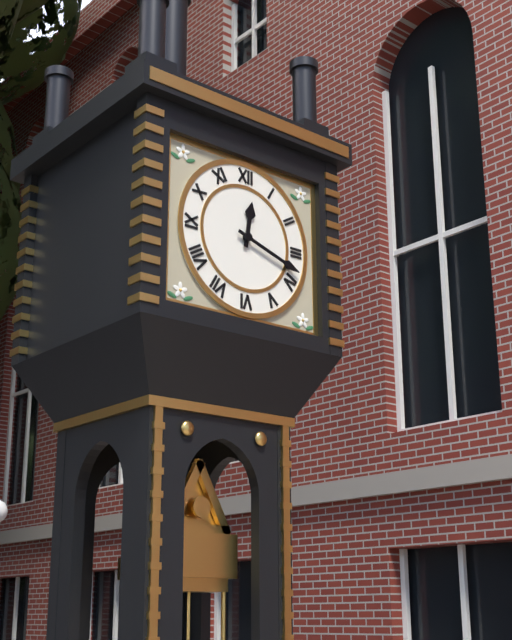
12:18
